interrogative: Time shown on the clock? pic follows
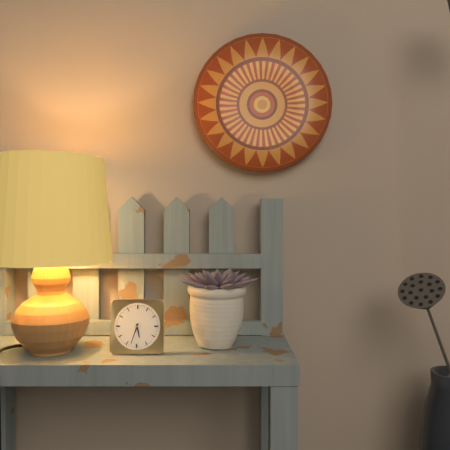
5:33
